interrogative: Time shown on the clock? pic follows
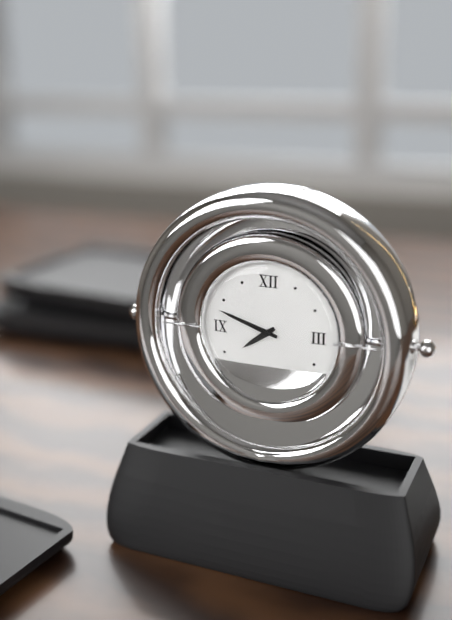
7:48
